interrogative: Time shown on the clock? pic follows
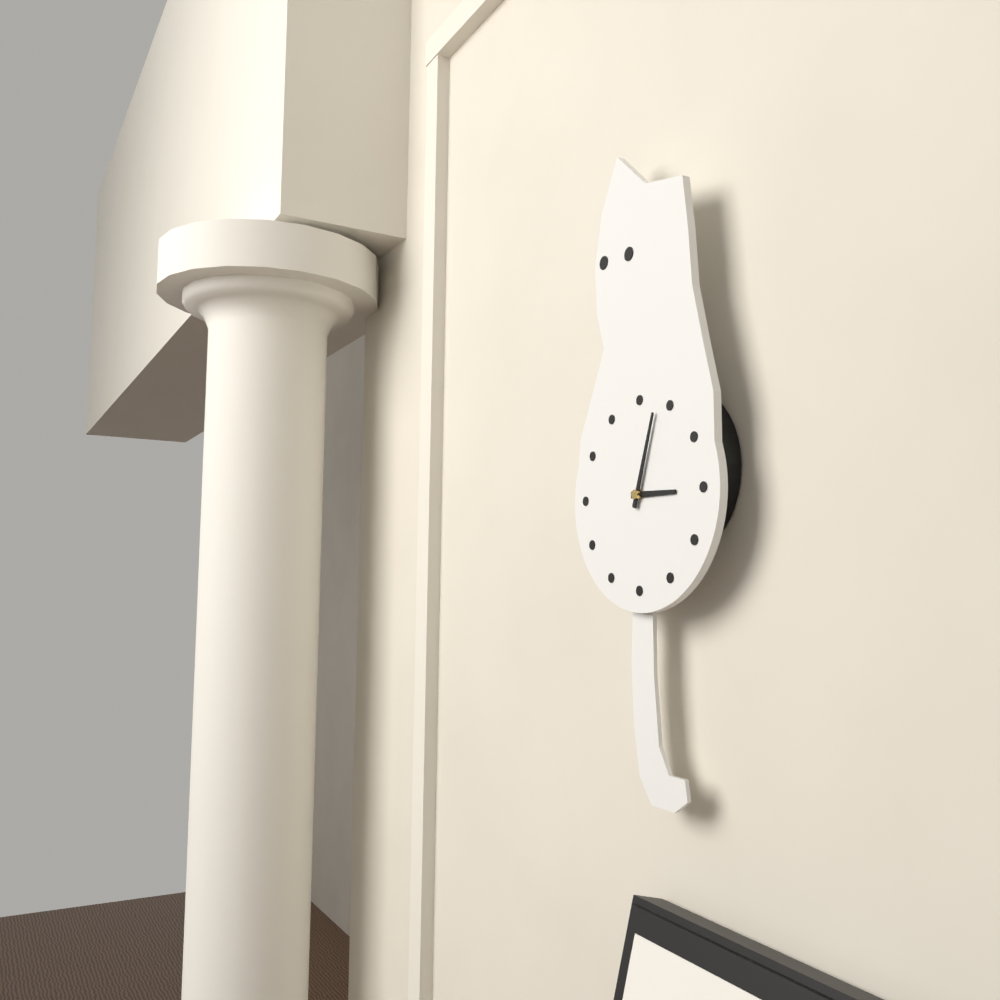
3:03
